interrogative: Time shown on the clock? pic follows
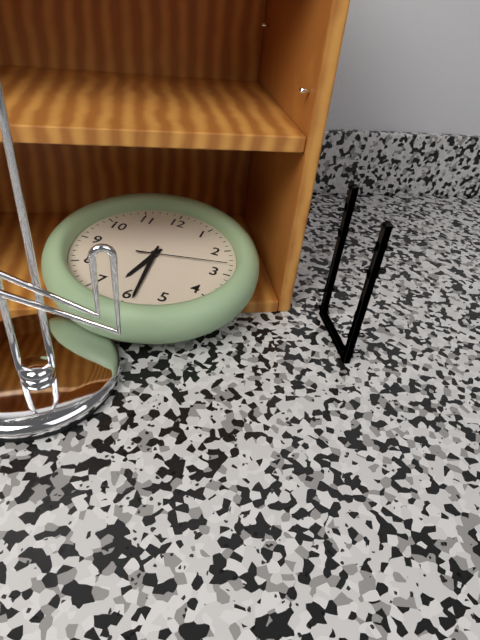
6:29:13
